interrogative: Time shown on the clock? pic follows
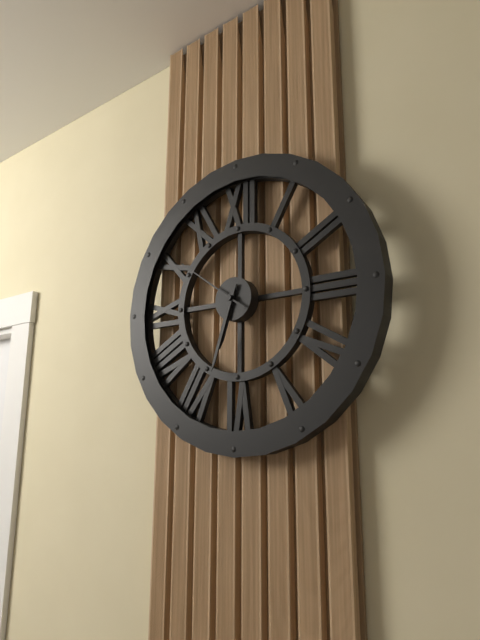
6:33:51
